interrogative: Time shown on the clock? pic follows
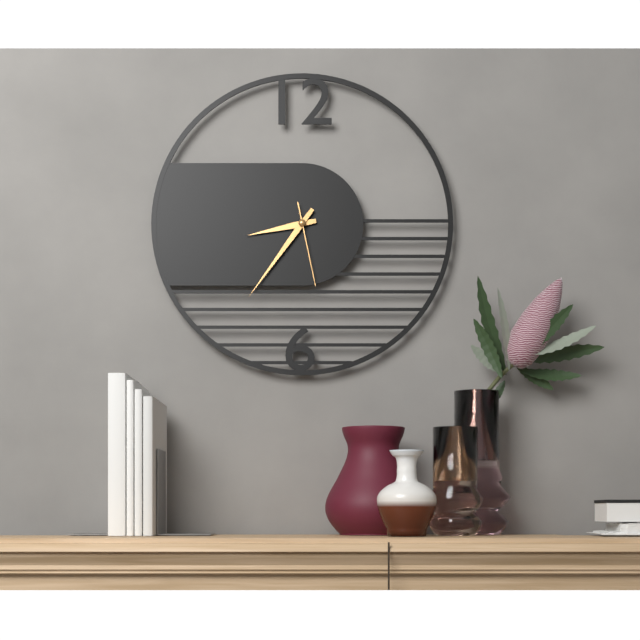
8:36:28
